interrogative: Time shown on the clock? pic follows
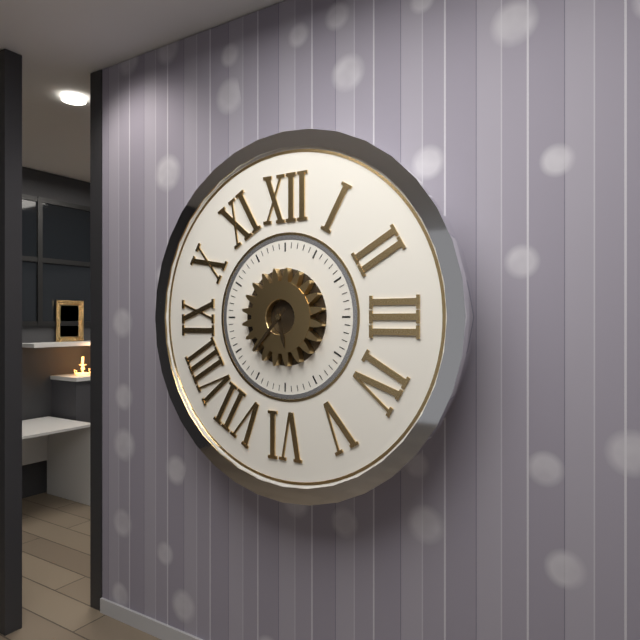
5:37
